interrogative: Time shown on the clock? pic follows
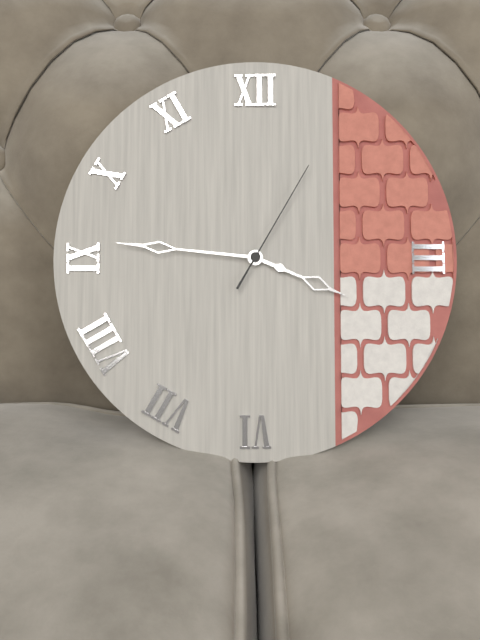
3:46:05
